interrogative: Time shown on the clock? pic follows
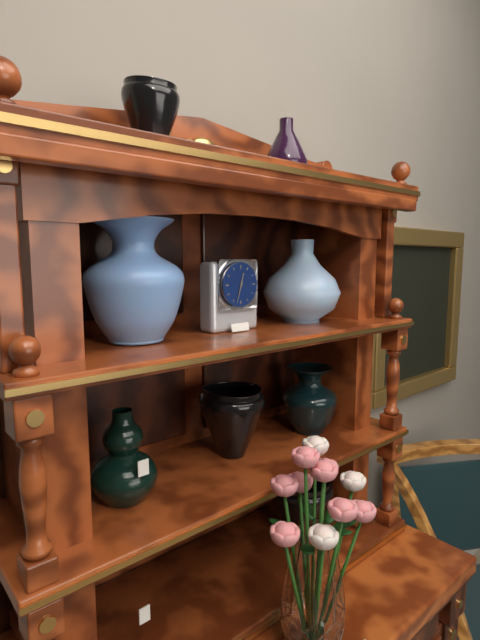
12:33
